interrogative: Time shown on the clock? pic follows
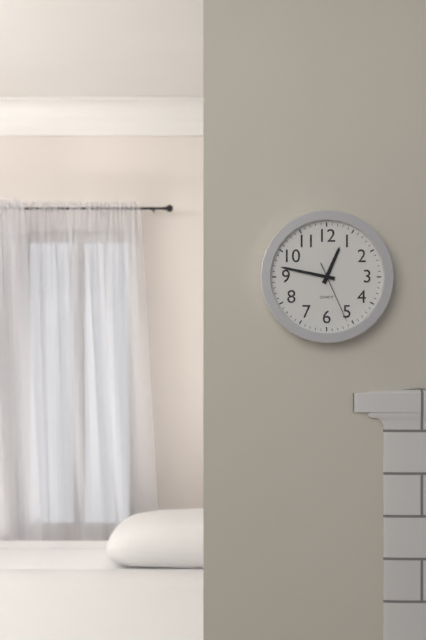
12:47:26
